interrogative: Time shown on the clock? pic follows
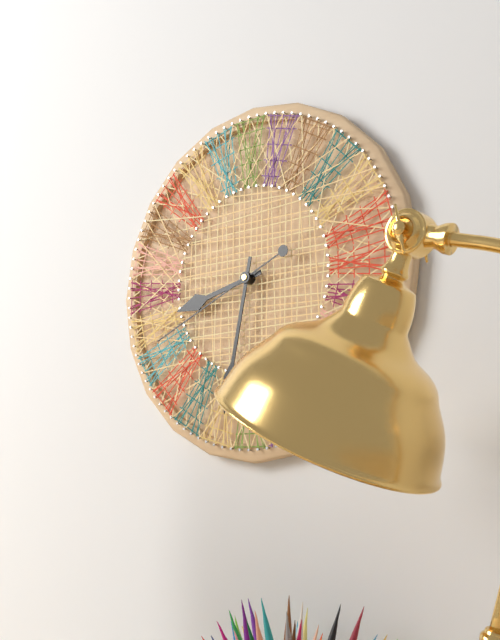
8:32:41
